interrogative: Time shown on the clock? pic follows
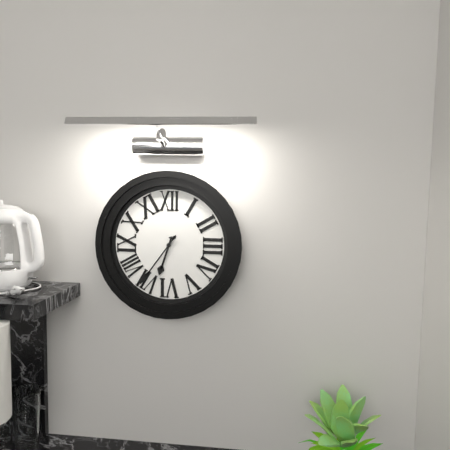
6:36
